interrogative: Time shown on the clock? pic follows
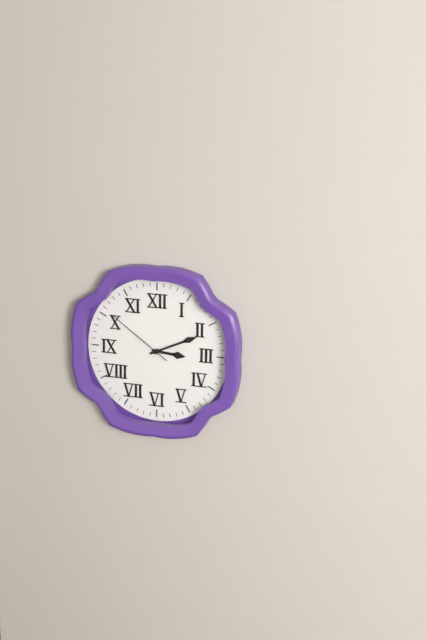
3:11:51
